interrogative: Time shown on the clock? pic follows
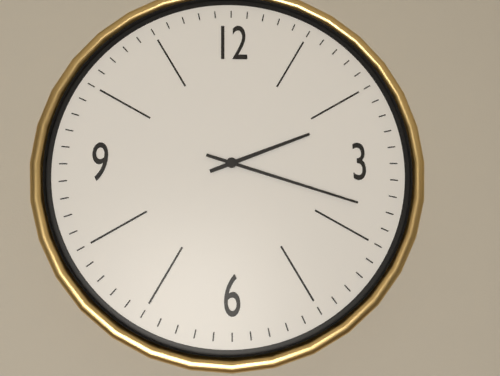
2:18
